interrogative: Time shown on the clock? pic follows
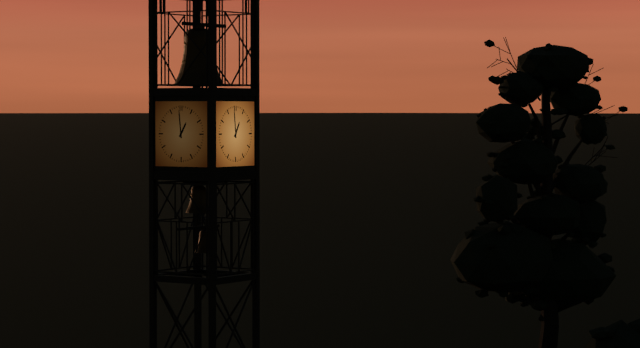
12:59
